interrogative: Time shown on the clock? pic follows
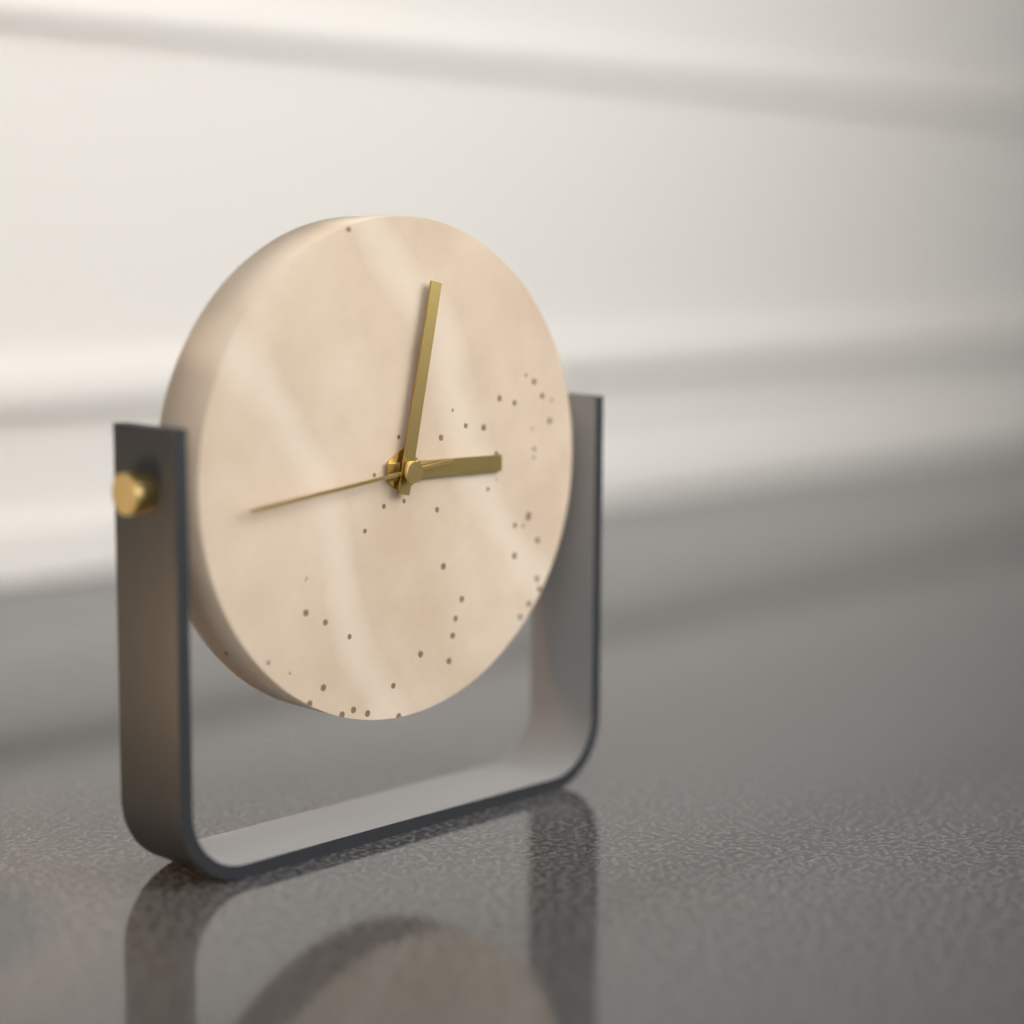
3:02:44
